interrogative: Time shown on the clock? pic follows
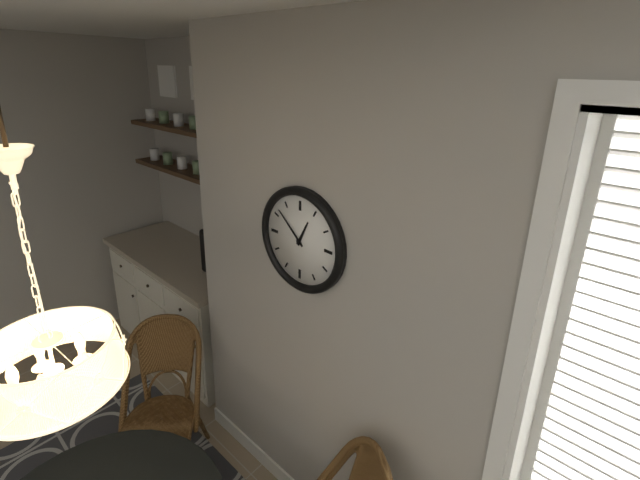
12:52
